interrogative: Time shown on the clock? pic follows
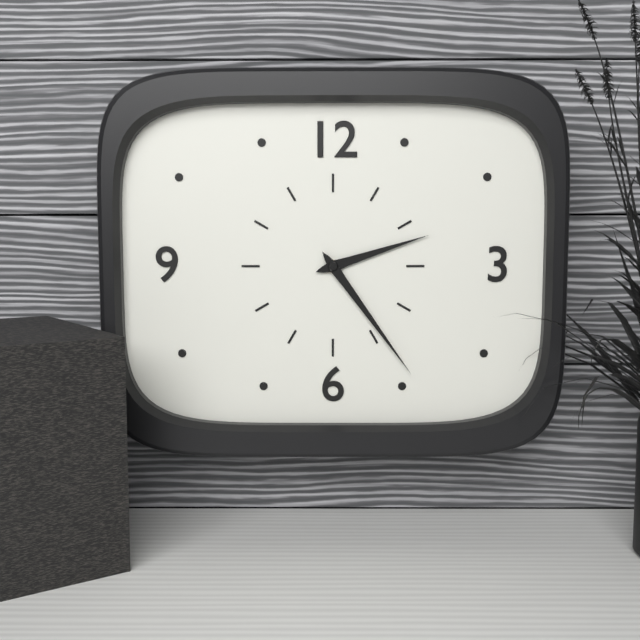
2:24
